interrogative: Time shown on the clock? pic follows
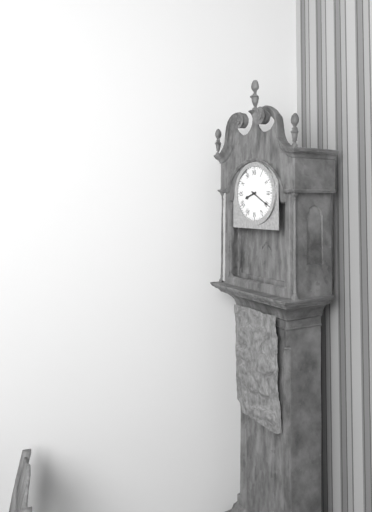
8:20
